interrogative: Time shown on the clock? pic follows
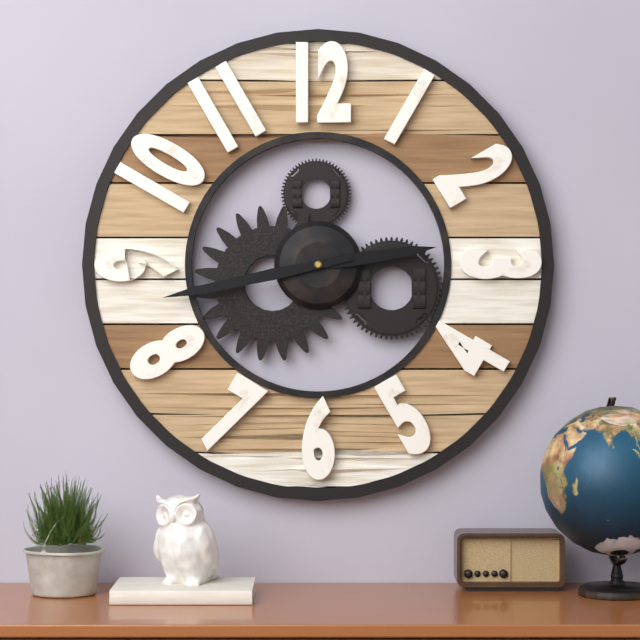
2:43
